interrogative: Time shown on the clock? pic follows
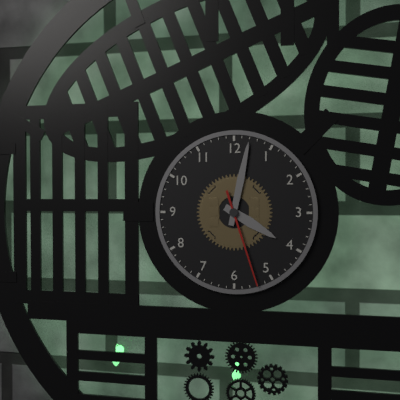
4:02:27
